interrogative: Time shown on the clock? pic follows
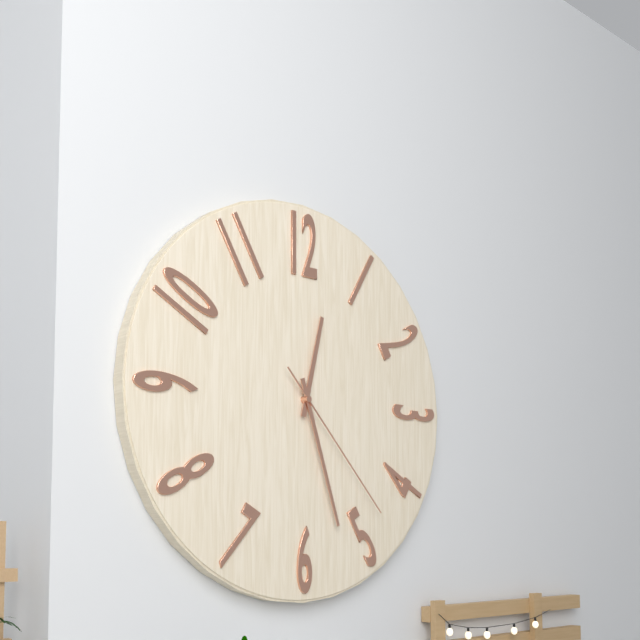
12:27:23
